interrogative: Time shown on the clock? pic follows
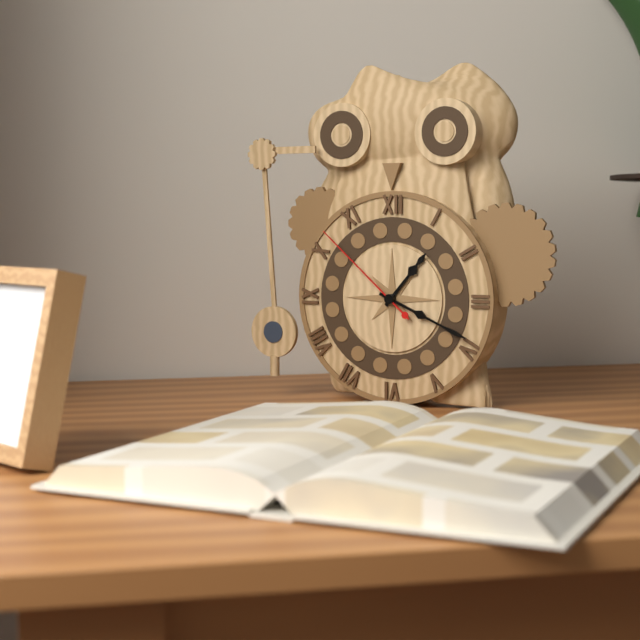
1:19:52
